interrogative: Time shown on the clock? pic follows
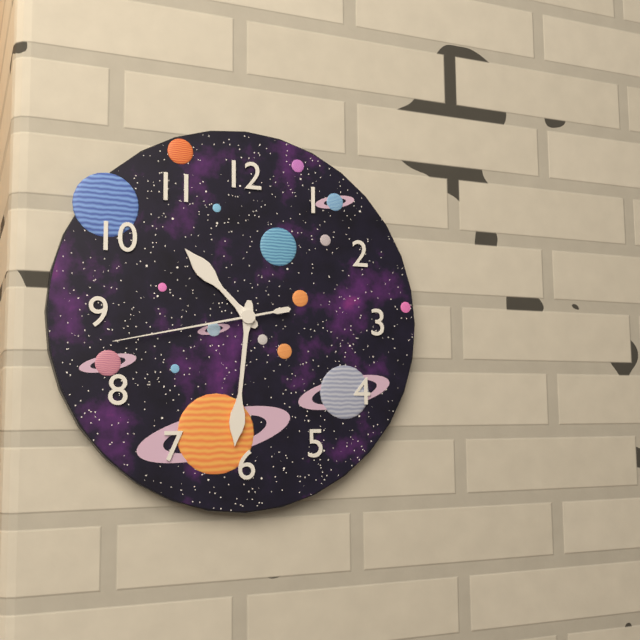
10:31:43
